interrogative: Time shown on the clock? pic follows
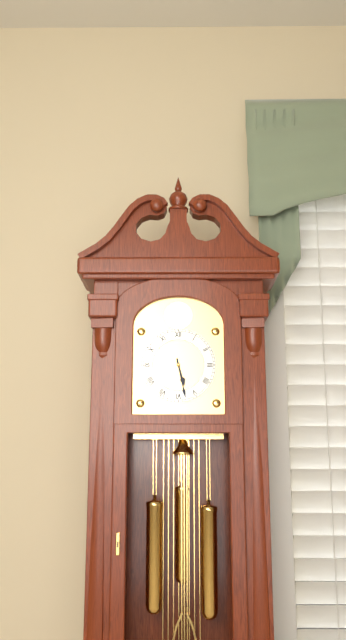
5:28
